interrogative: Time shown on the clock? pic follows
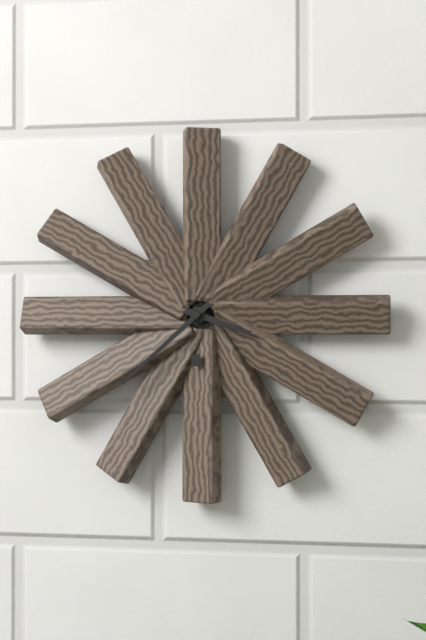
3:38
